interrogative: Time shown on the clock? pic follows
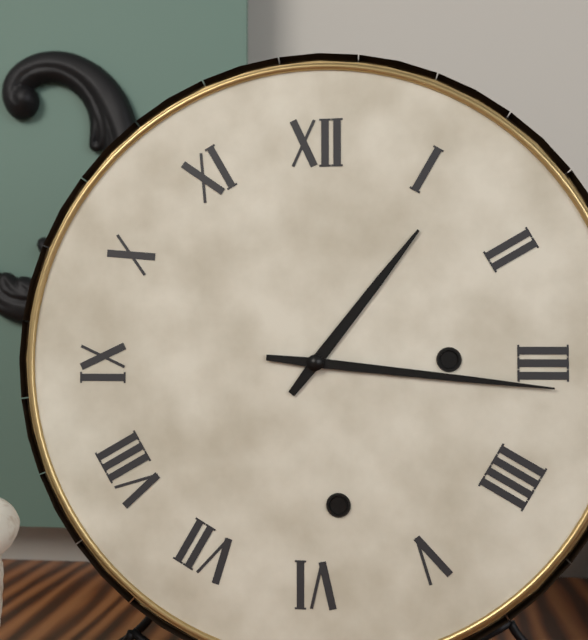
1:16
